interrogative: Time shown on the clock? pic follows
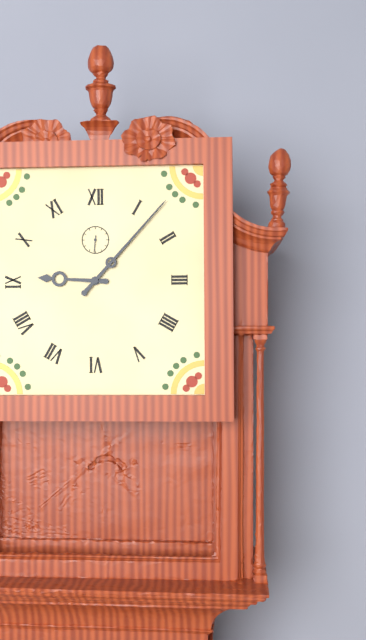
9:07
